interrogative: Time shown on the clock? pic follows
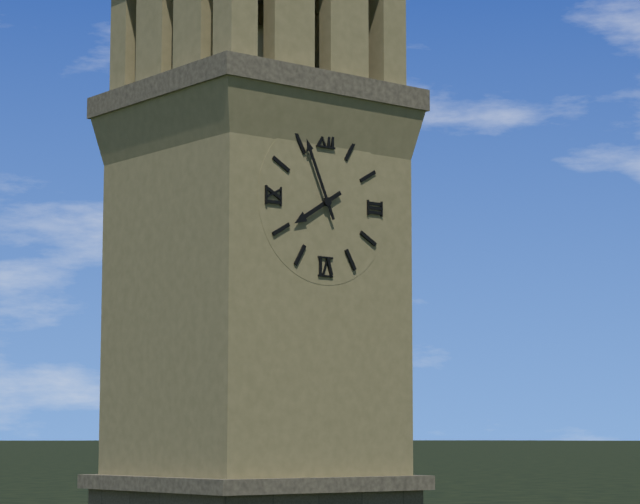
7:56
